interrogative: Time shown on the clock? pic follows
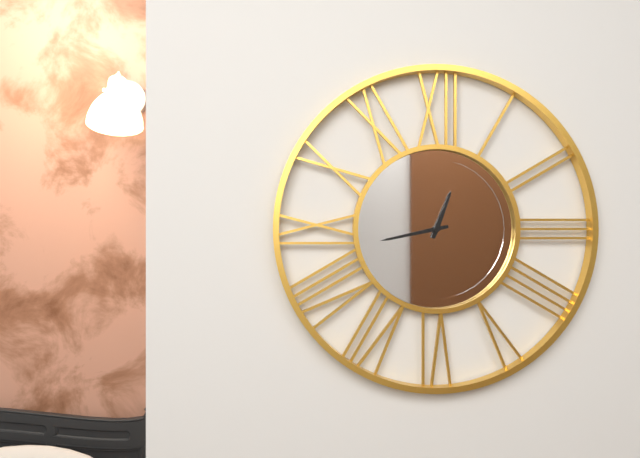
12:43
